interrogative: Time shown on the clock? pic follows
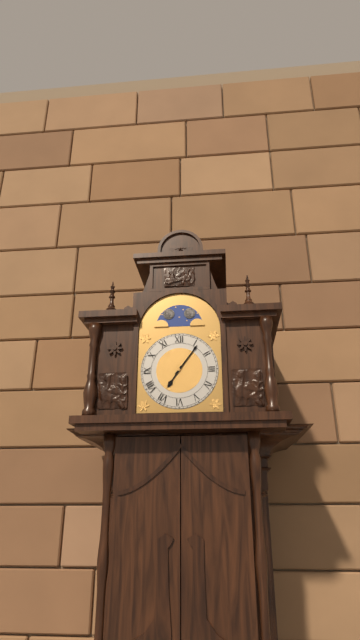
7:06
